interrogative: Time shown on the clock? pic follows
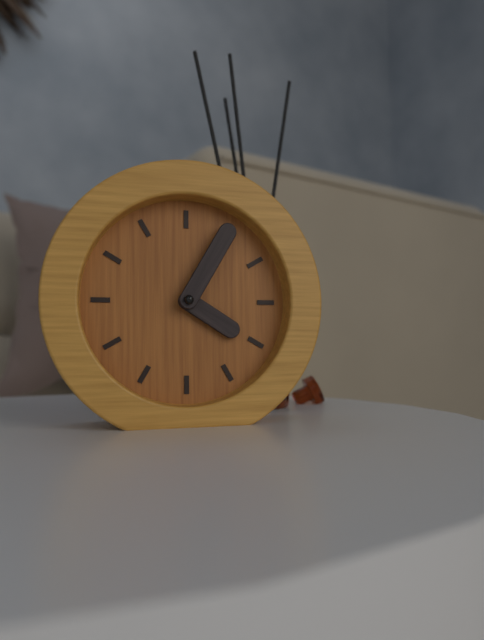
4:05
